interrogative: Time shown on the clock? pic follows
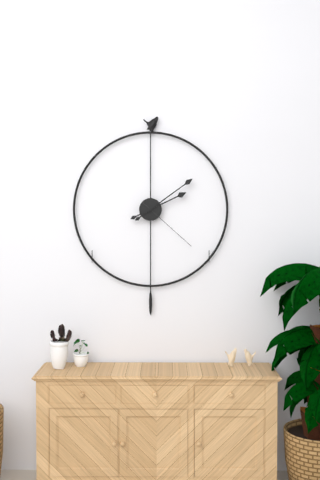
2:09:22
